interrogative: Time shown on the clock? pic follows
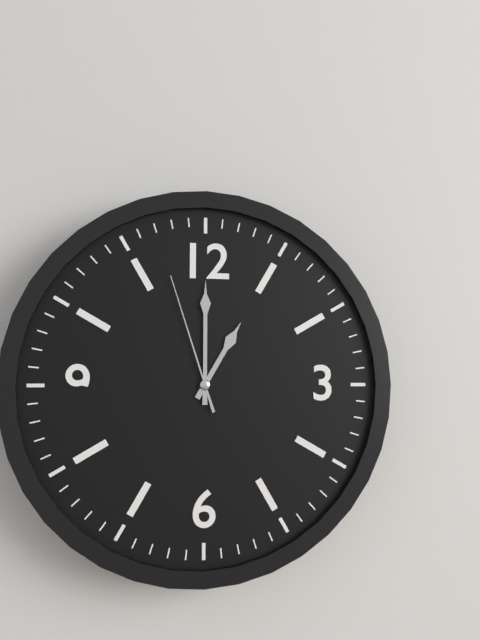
1:00:57
